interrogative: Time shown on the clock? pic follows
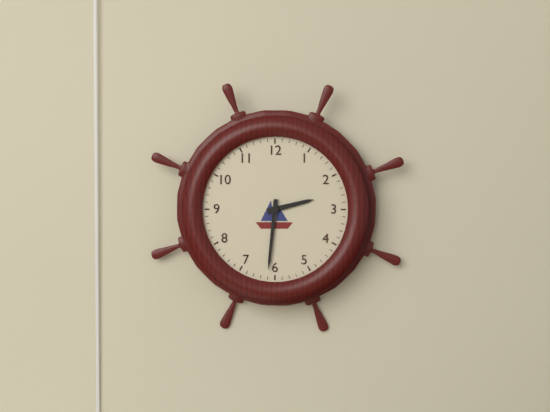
2:31
